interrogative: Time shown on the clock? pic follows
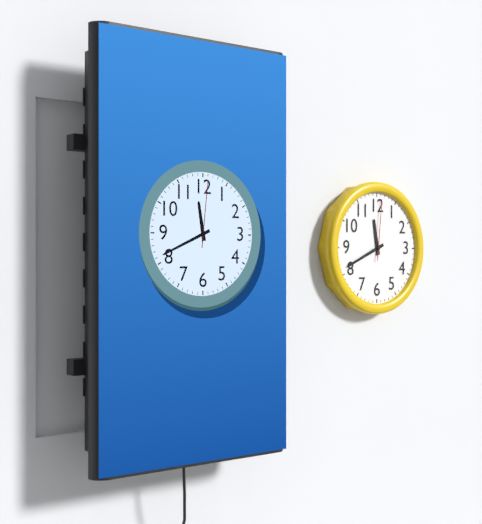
11:41:01
